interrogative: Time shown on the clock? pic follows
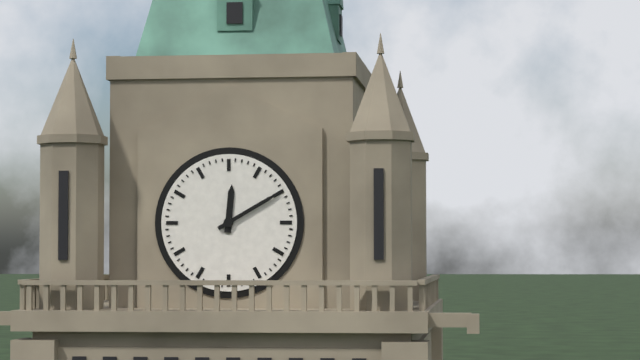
12:10
